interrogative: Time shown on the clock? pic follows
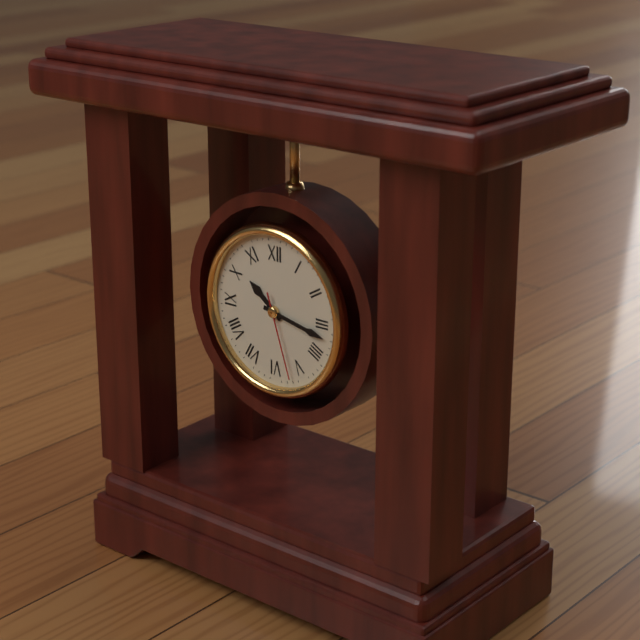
10:17:27
